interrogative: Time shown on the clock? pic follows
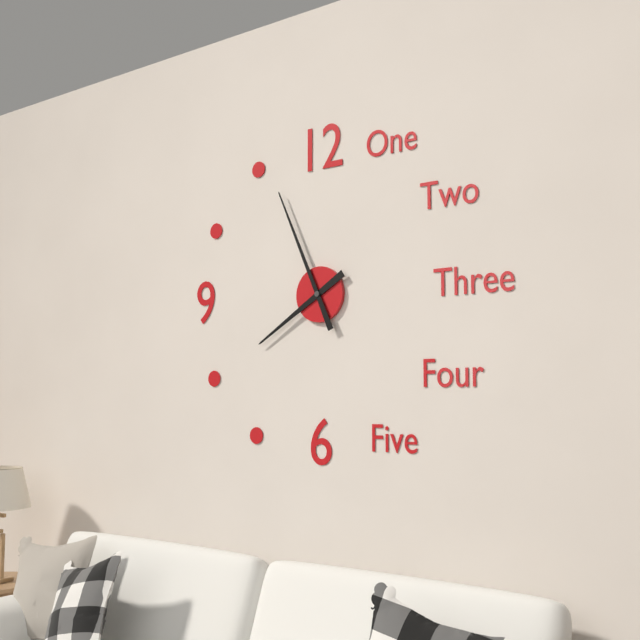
7:56
